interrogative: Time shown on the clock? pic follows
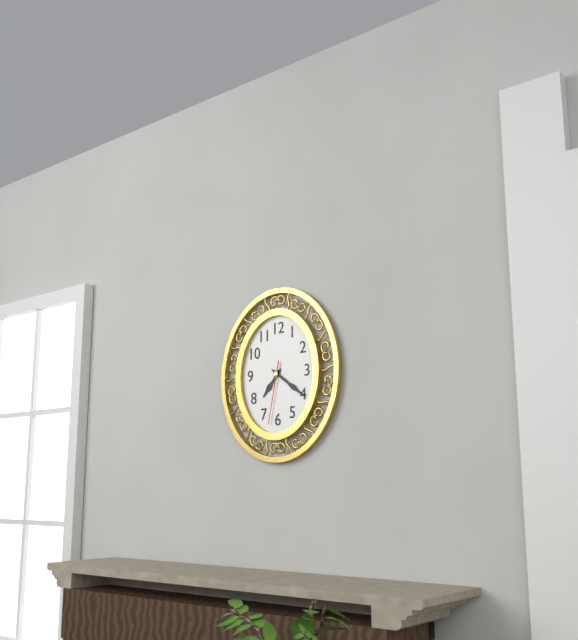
7:21:32
